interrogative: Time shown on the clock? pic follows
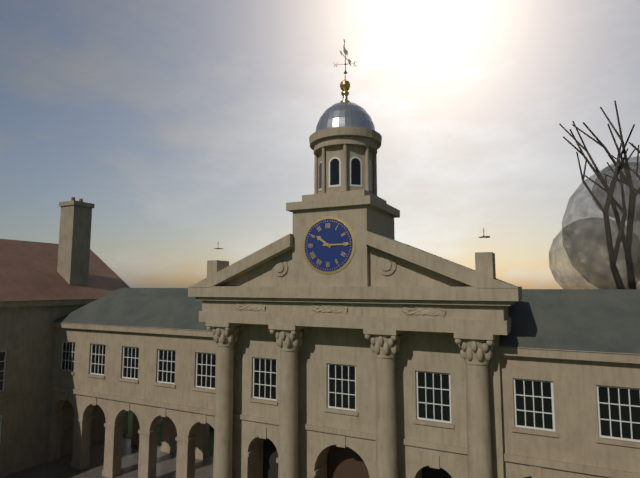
10:15
